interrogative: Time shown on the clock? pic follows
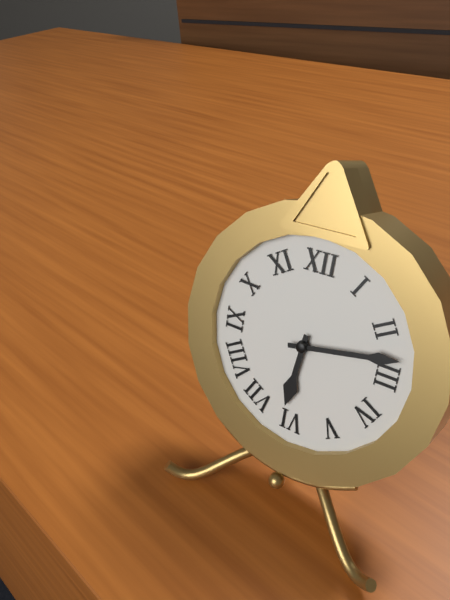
6:13
